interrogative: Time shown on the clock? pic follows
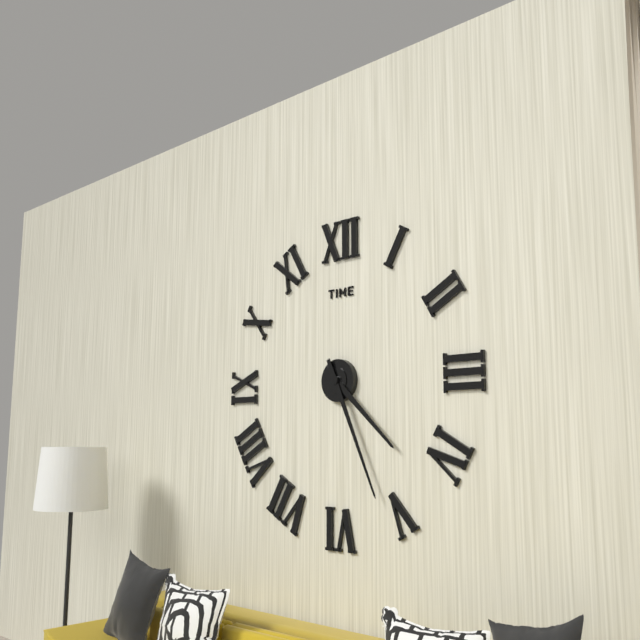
4:26
